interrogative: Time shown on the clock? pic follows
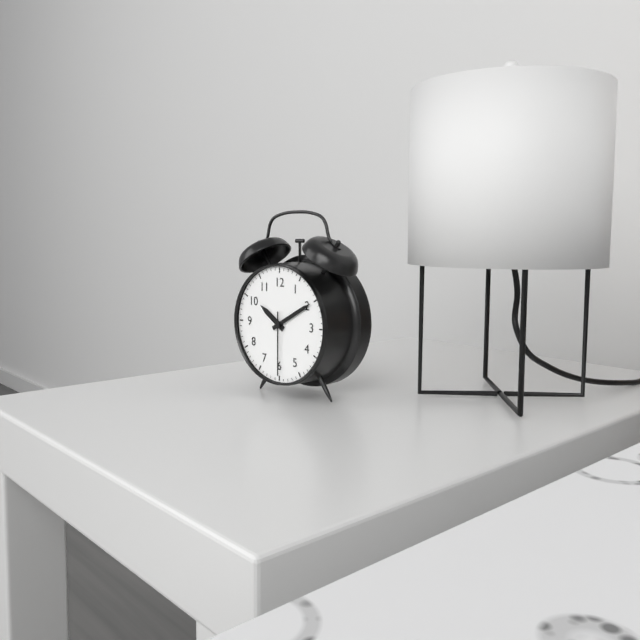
10:10:30
